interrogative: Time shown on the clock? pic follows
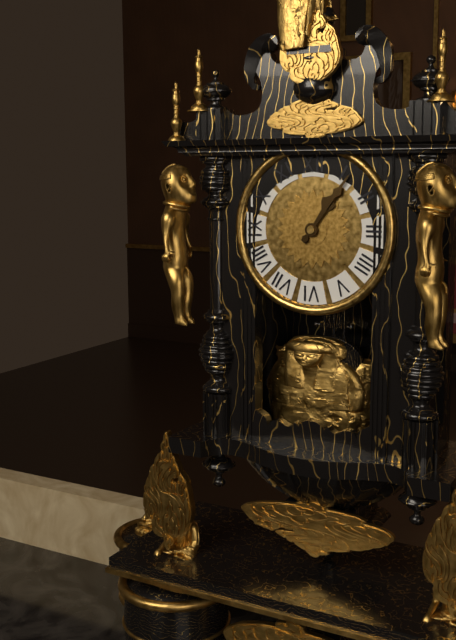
1:06
